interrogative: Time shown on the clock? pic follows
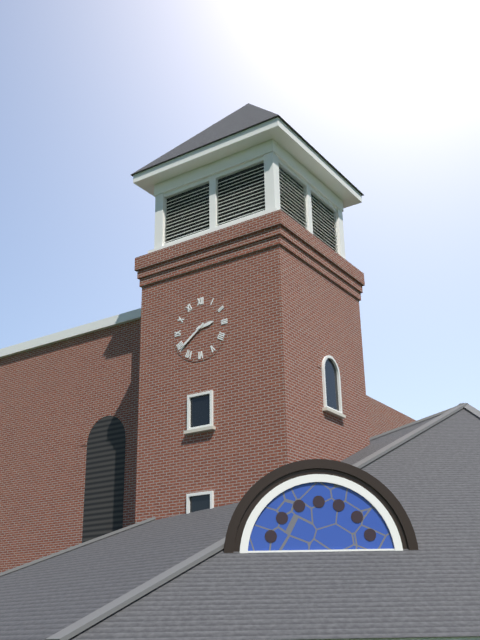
2:39
